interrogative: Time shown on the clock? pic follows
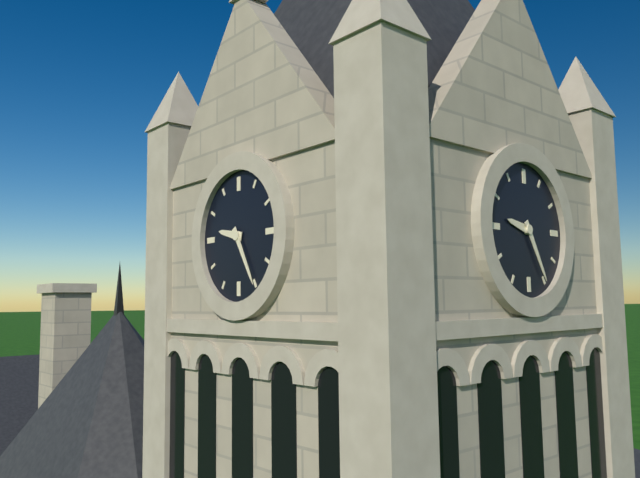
9:25
